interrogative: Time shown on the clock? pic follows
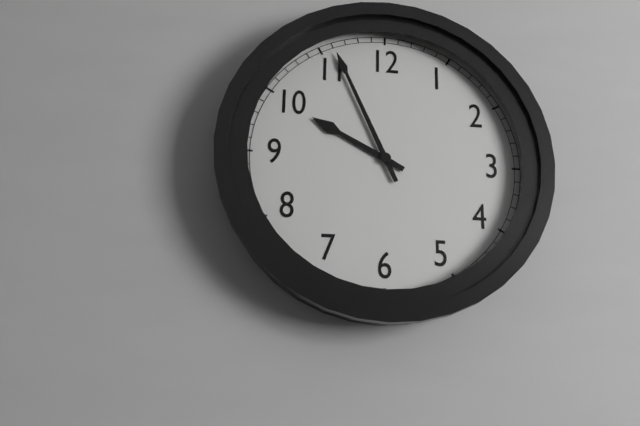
9:56
